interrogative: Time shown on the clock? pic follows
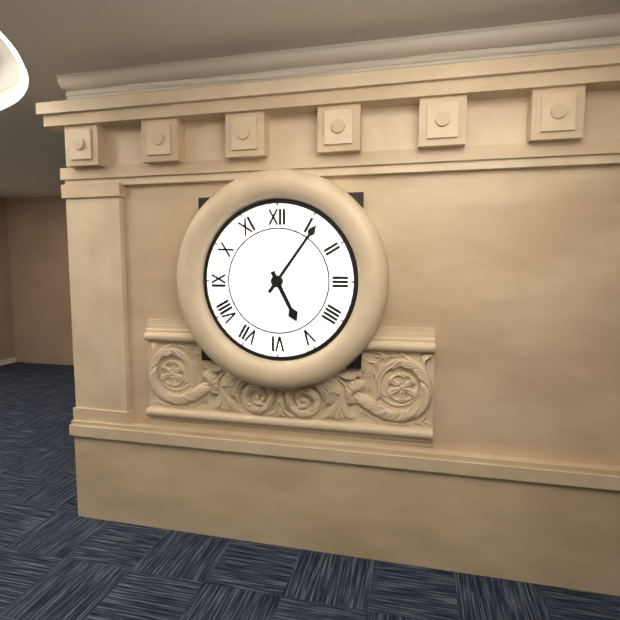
5:06
